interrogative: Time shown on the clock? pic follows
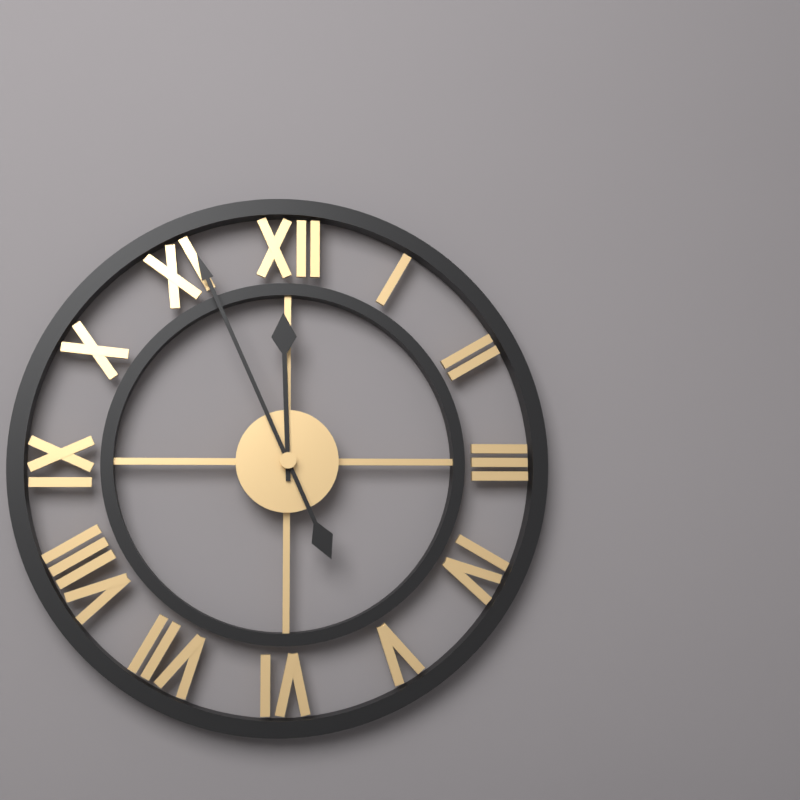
11:56
